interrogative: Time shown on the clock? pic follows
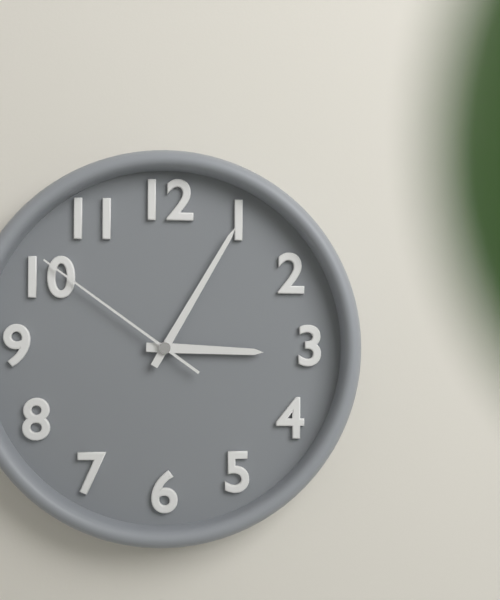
3:05:51
